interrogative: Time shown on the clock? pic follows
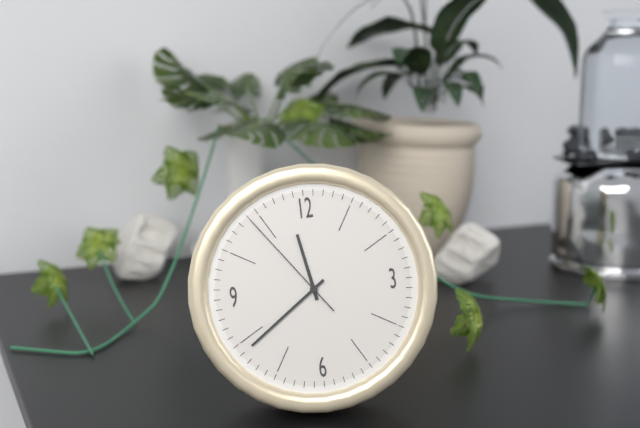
11:39:54
